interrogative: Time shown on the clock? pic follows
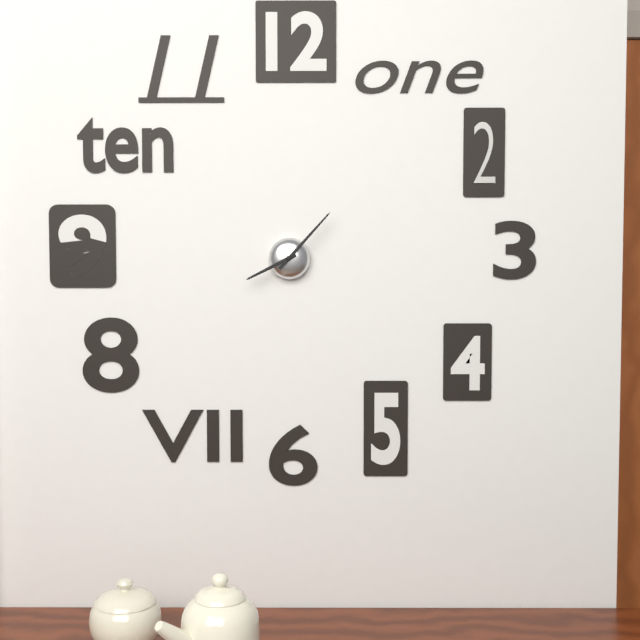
8:07
